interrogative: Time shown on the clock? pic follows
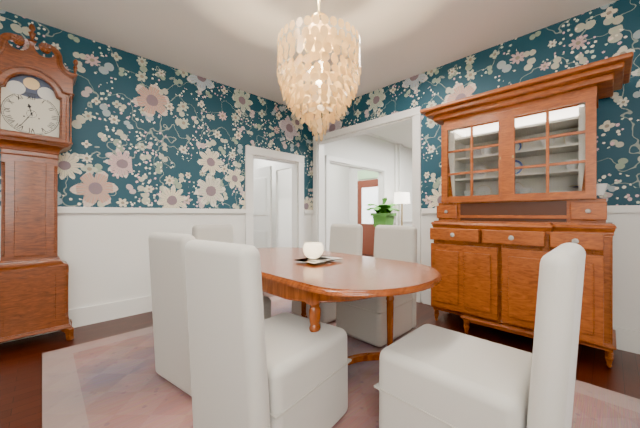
11:35
